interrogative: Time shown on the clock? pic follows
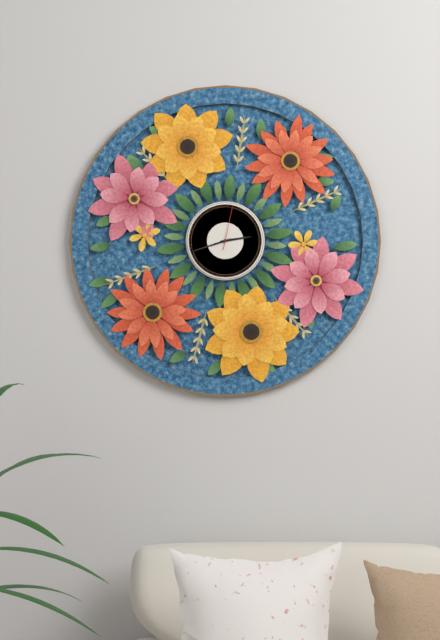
2:42
